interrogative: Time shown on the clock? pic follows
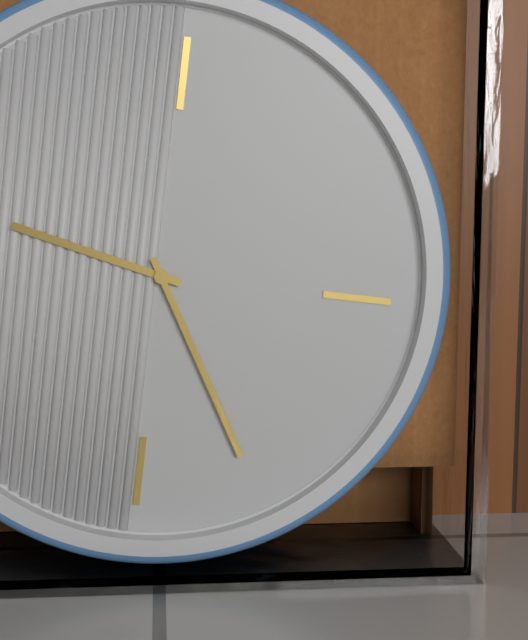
9:25
